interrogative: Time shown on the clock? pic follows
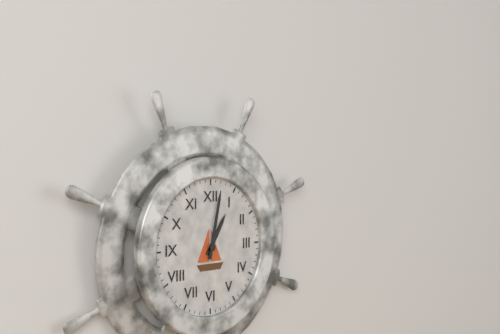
1:02
